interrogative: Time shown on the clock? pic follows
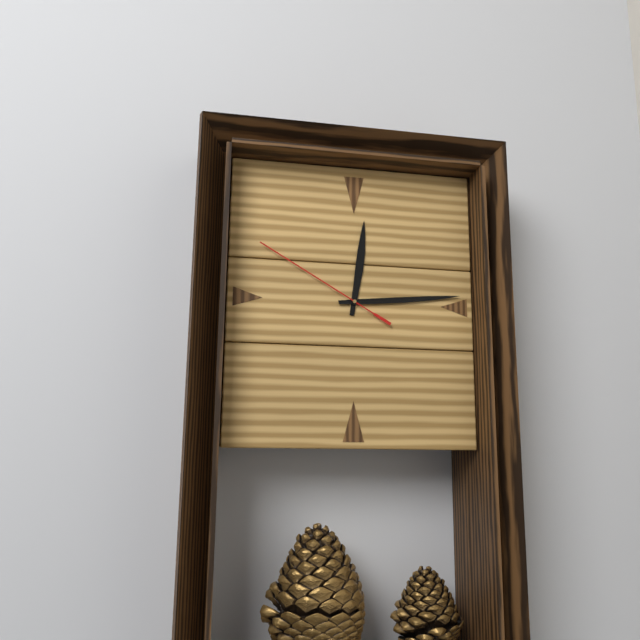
12:14:50
